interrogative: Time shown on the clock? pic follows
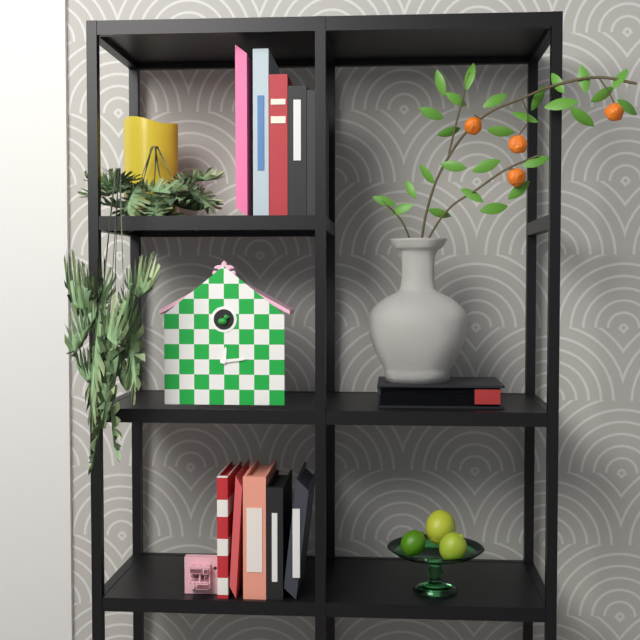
12:14
